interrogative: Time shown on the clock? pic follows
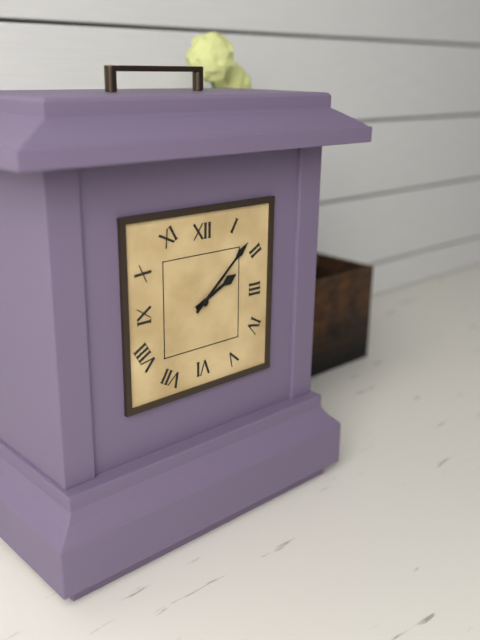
2:08
